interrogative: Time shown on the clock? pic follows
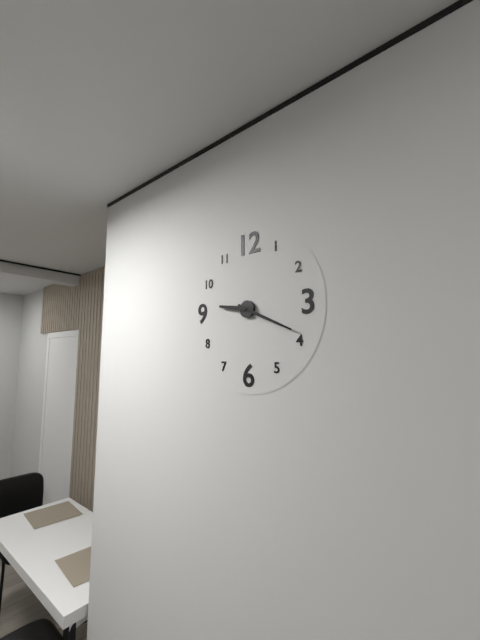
9:19
